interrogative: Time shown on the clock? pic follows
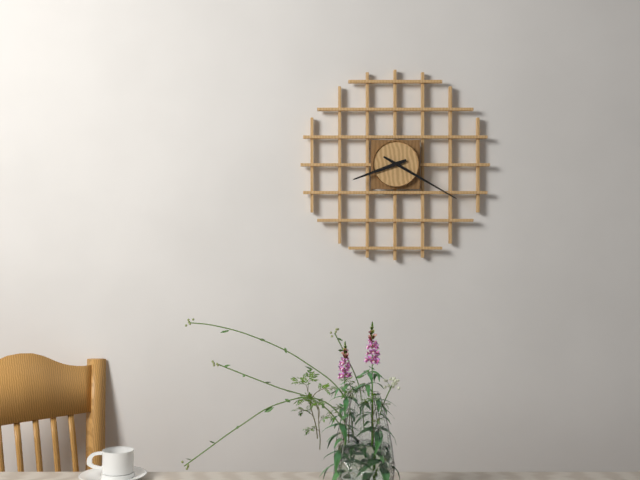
8:20
